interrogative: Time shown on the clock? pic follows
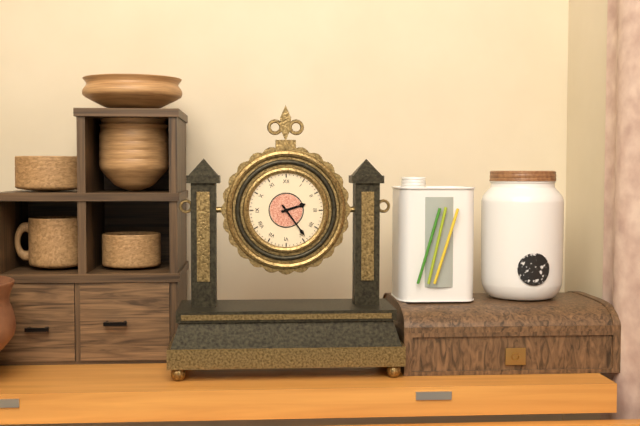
2:24
